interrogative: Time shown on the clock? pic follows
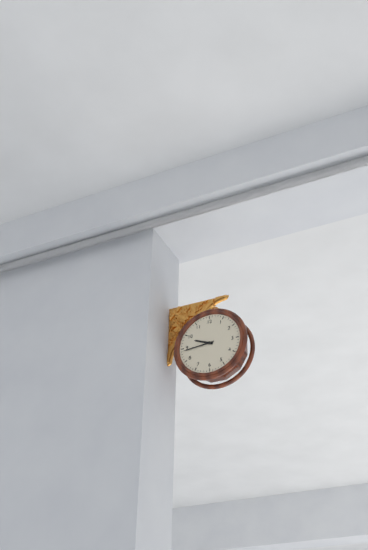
9:44
